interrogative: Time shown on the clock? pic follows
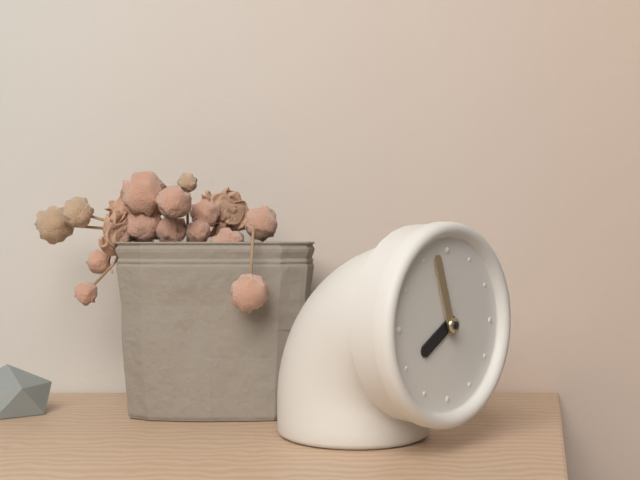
7:57
